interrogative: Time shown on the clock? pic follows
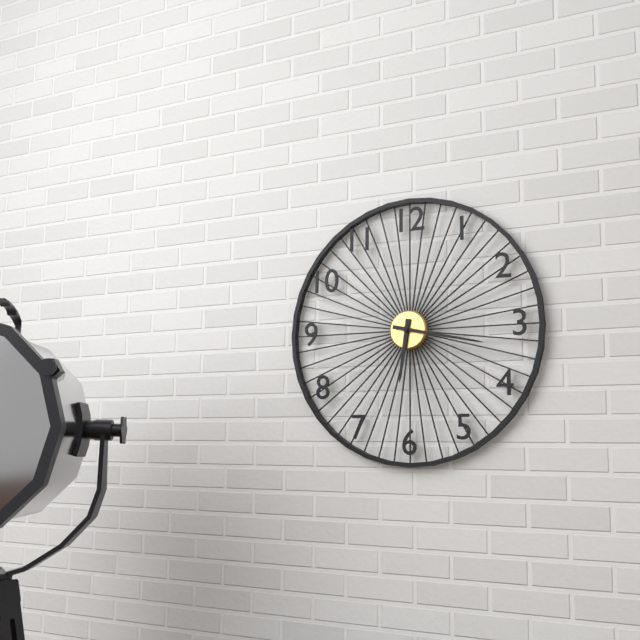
6:17
